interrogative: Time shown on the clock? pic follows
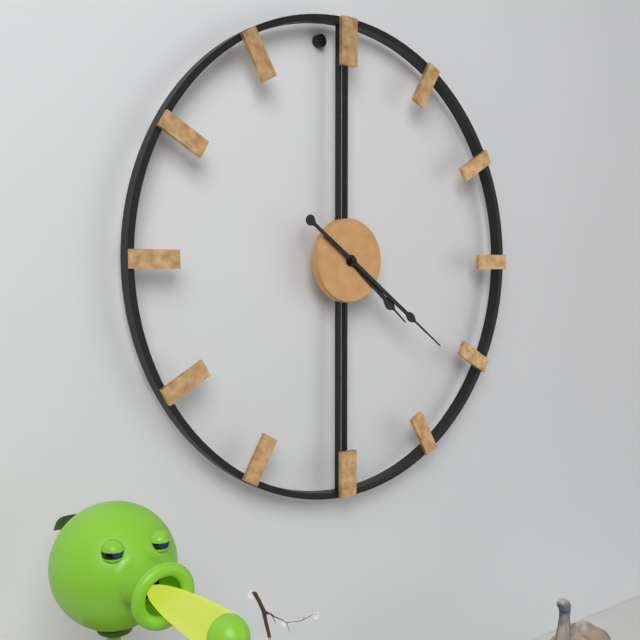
4:21
